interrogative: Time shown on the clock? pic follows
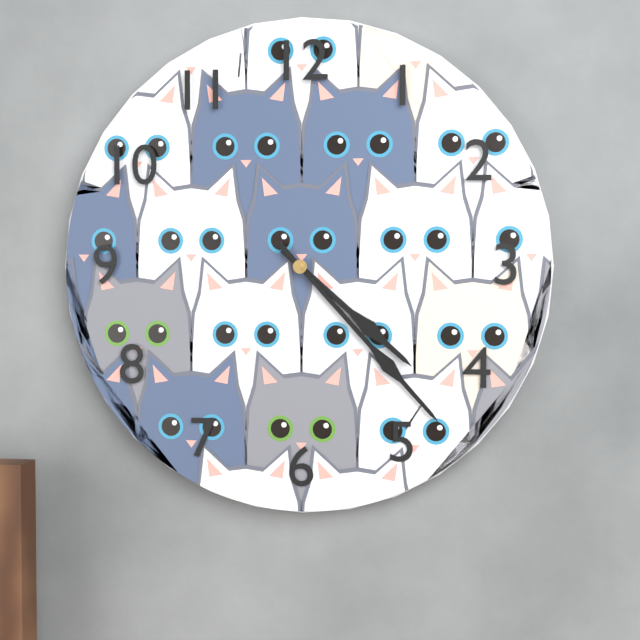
4:23
